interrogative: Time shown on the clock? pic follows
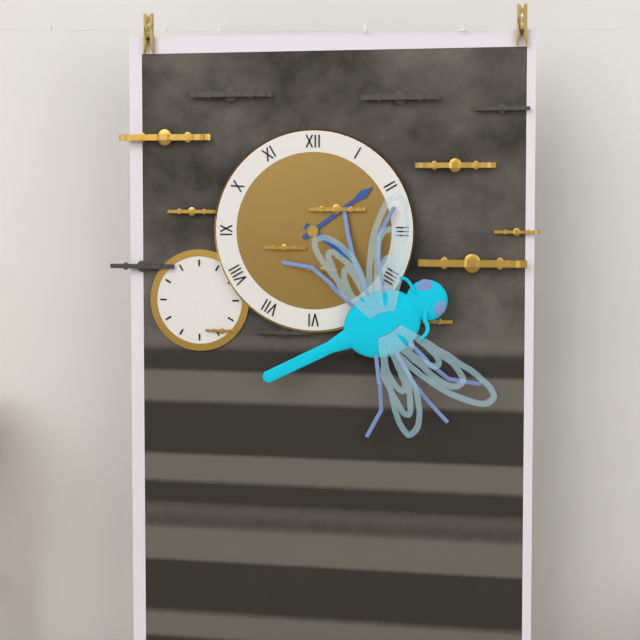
4:09
